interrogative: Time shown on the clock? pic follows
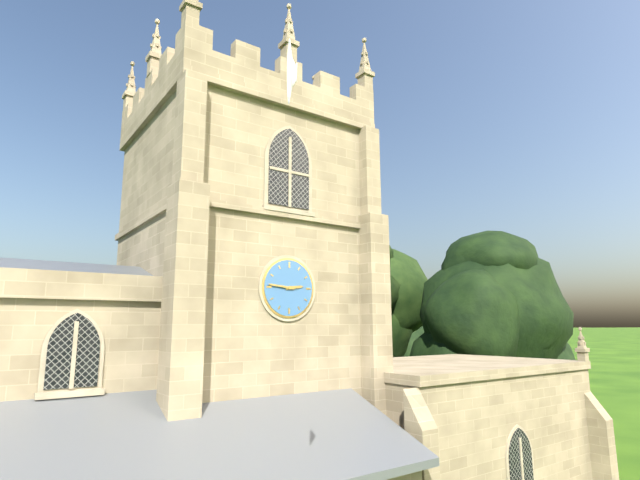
2:46
